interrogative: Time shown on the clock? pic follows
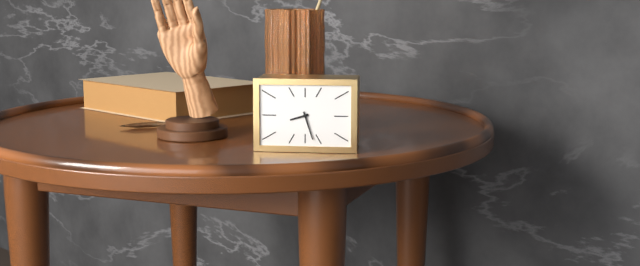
8:27
